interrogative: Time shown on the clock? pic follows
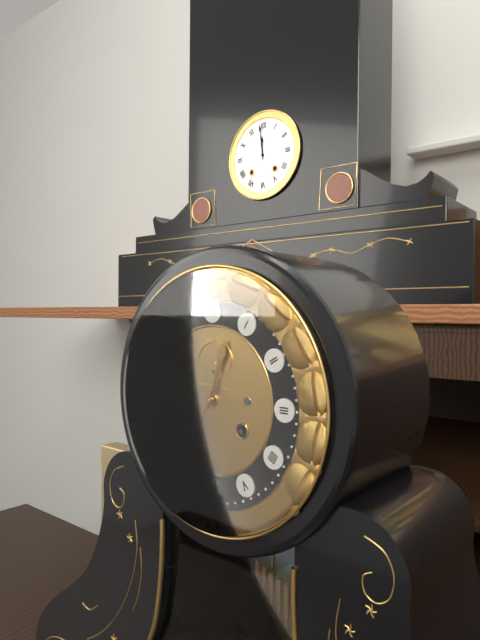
12:34
